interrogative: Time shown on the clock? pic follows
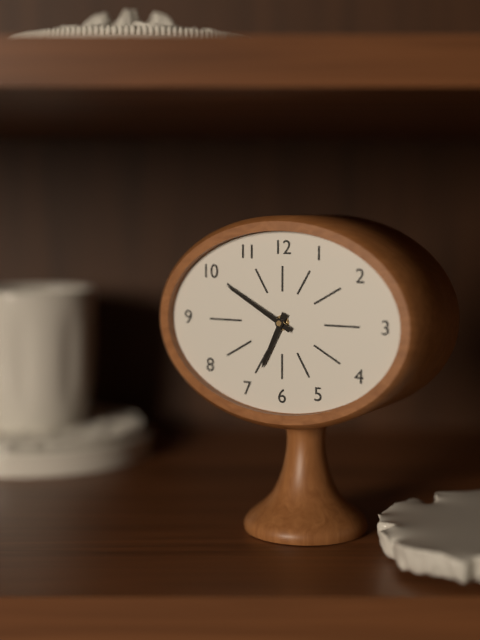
6:50
